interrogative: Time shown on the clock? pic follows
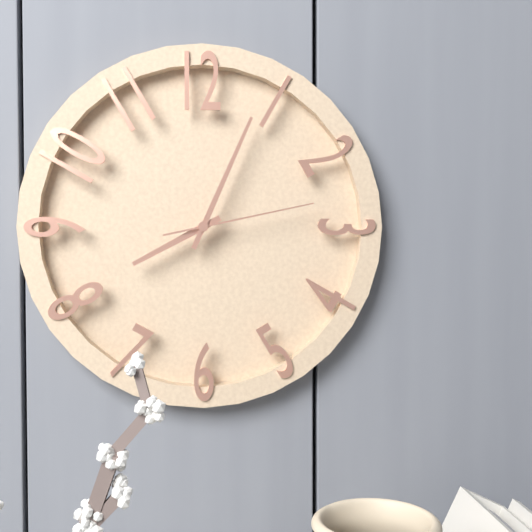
8:04:13
